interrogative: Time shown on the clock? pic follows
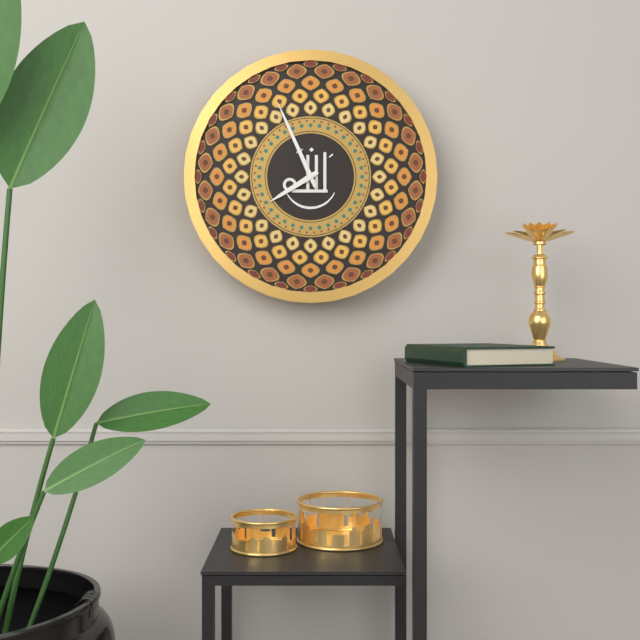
7:56
